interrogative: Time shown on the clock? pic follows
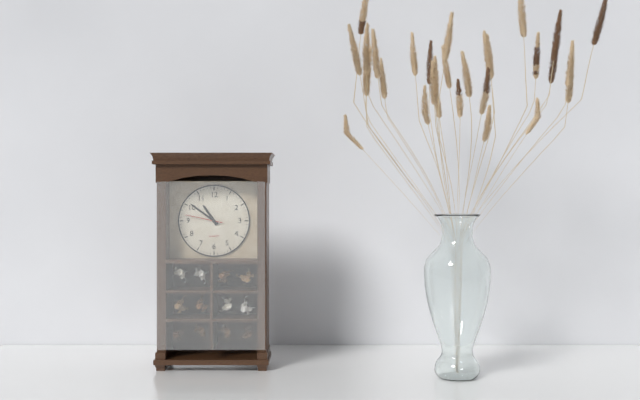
10:51
